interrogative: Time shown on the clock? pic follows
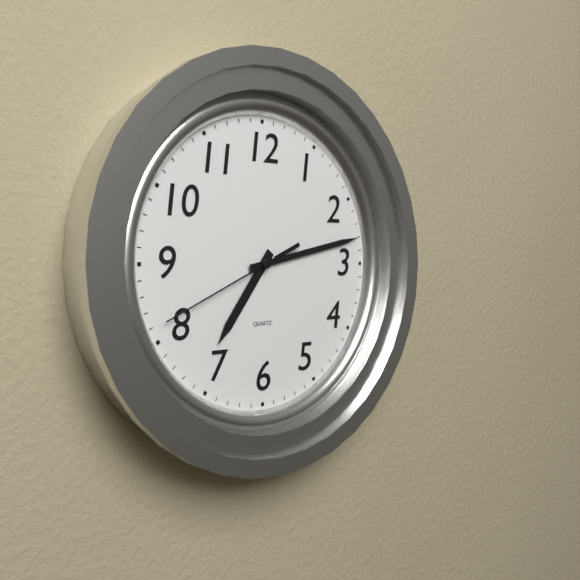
7:13:41
